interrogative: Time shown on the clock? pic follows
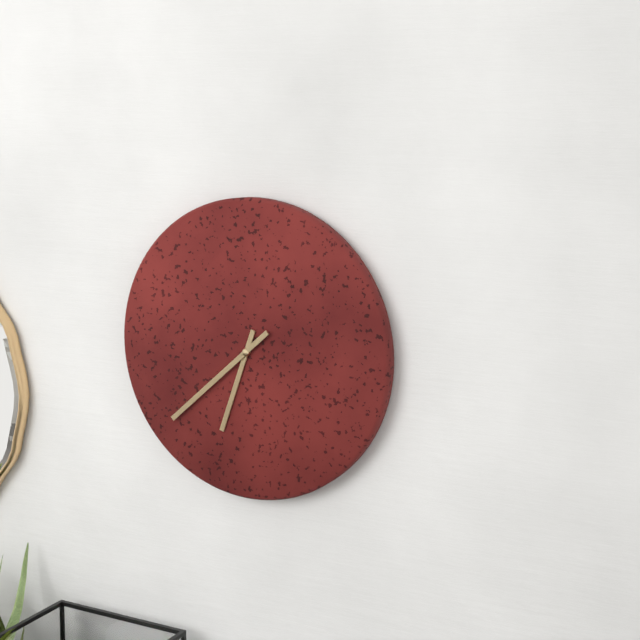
6:38
